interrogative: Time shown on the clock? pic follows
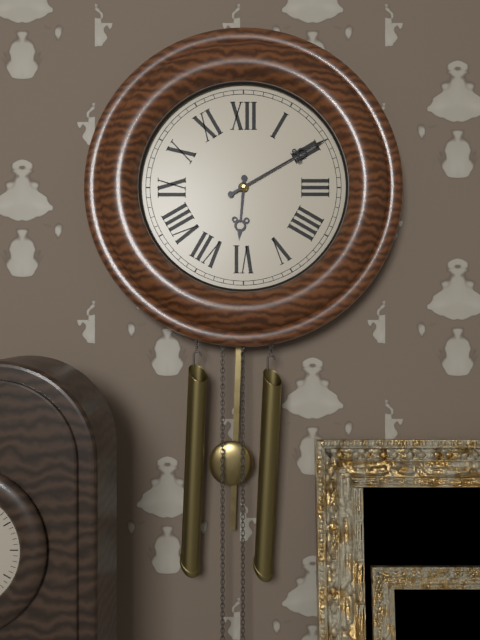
6:10
